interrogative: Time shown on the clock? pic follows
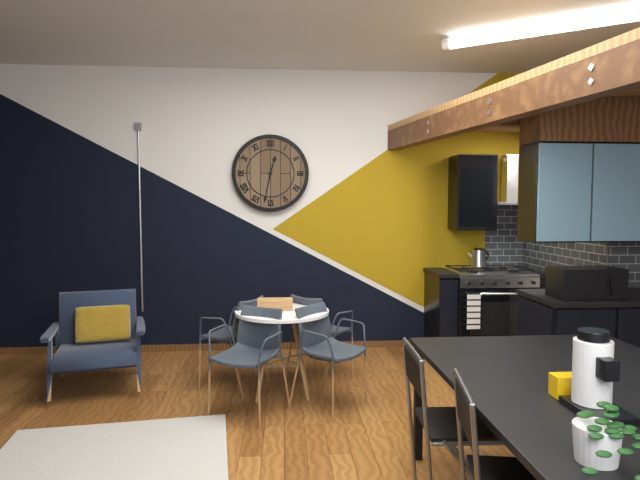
12:32
